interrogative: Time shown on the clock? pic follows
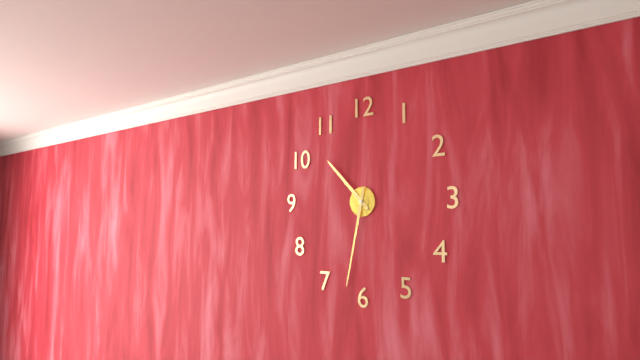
10:32
